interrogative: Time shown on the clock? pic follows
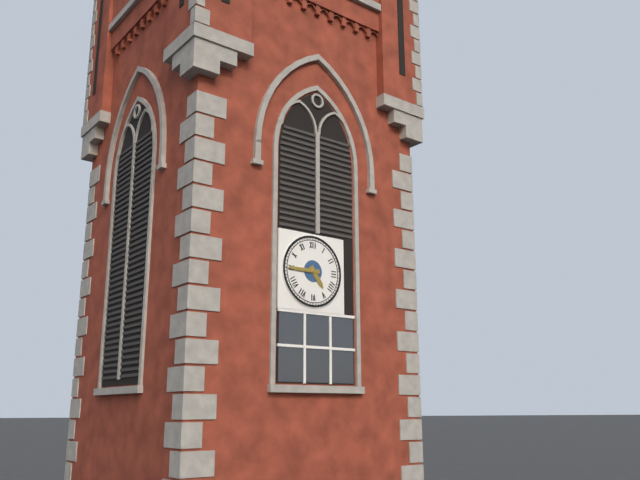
4:45
